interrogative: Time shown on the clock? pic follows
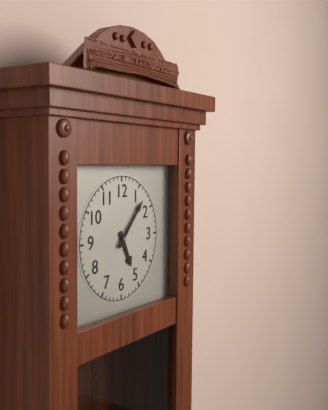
5:07
